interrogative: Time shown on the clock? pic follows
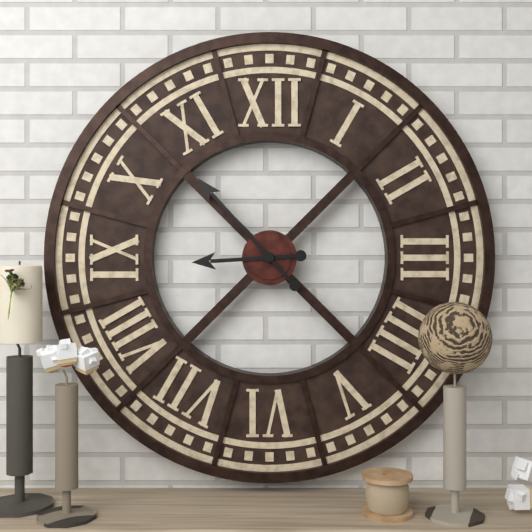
8:53
